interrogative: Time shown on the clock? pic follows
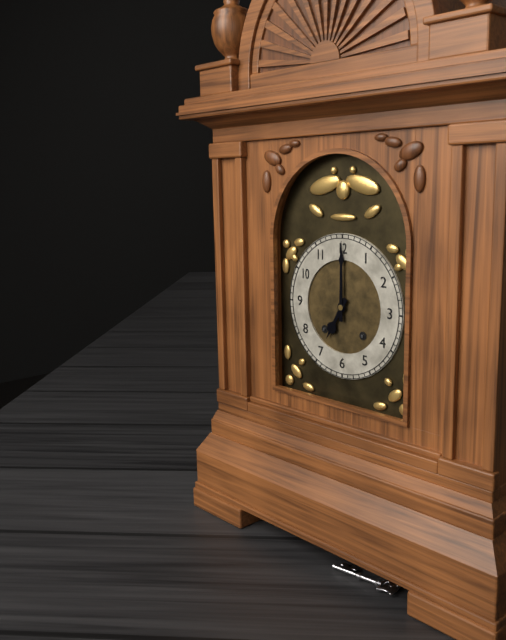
7:00
